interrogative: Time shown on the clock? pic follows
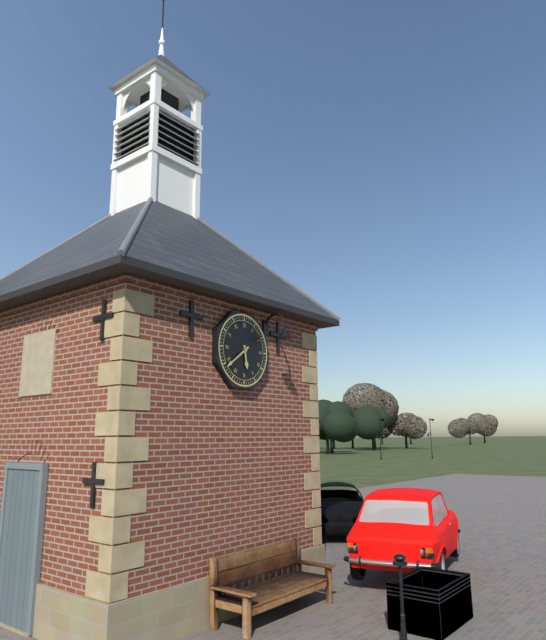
5:39
